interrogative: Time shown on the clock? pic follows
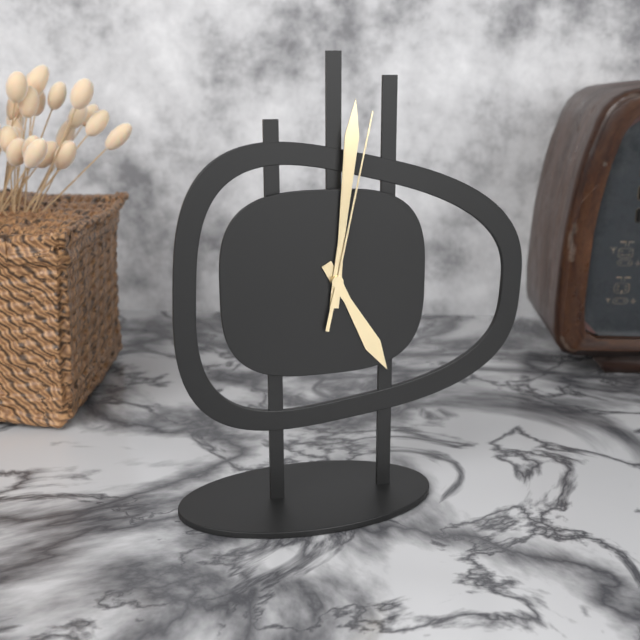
5:01:02
